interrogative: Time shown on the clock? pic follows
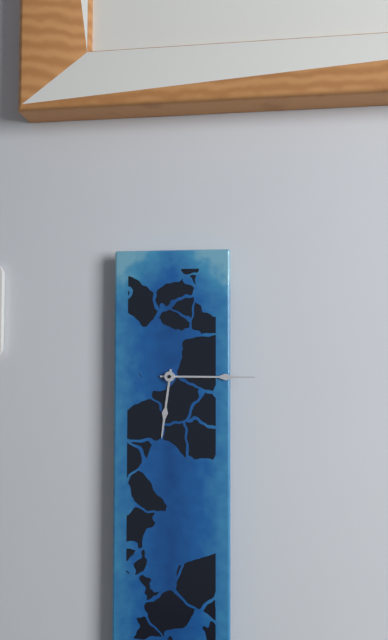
6:15
